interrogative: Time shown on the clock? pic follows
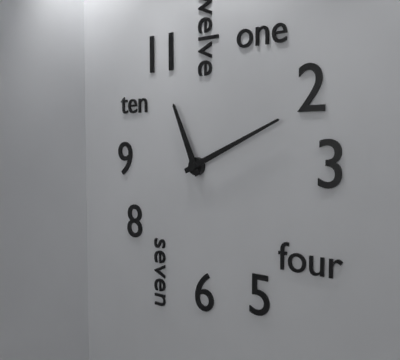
11:11
